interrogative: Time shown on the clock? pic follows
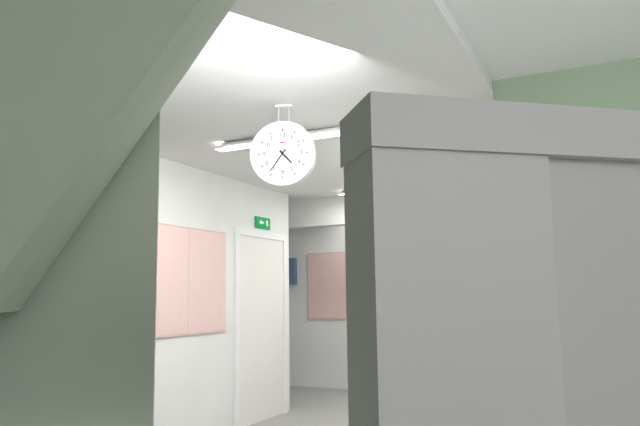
4:36
